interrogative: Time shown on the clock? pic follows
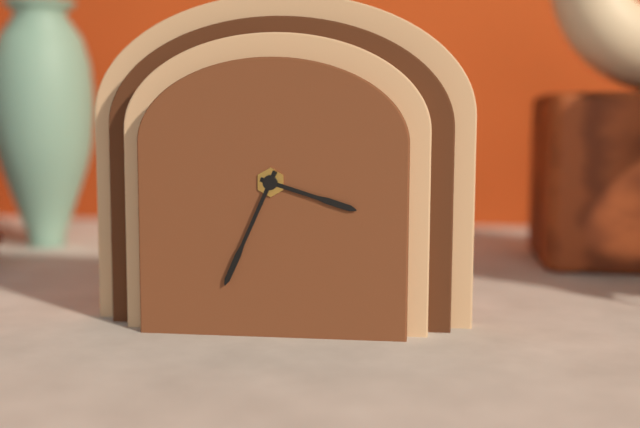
3:34
